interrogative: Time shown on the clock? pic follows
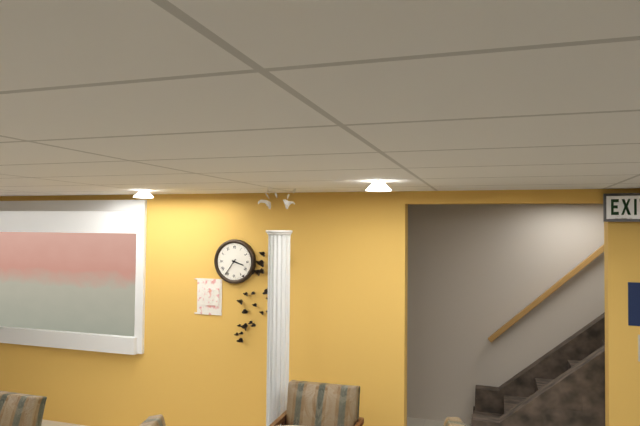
3:36
